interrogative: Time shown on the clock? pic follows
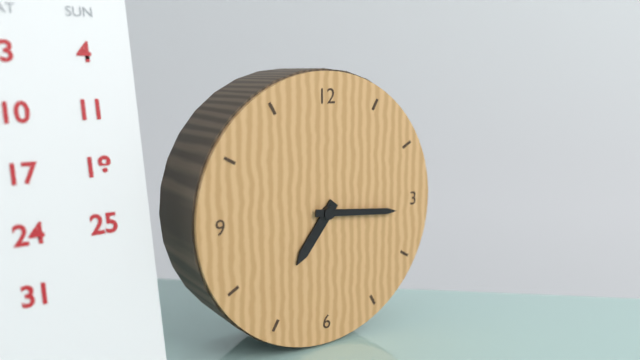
7:16
